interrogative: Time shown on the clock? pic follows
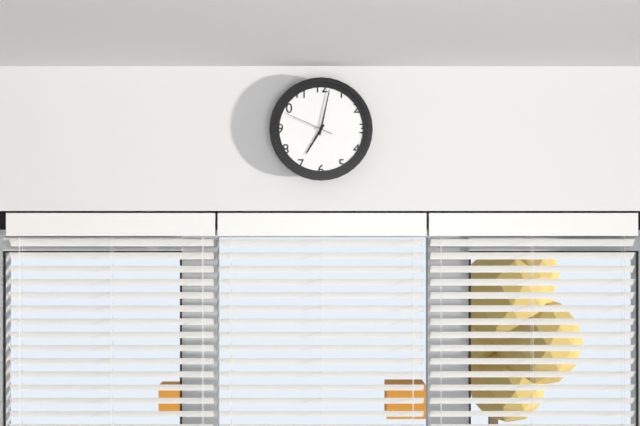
7:02:49
